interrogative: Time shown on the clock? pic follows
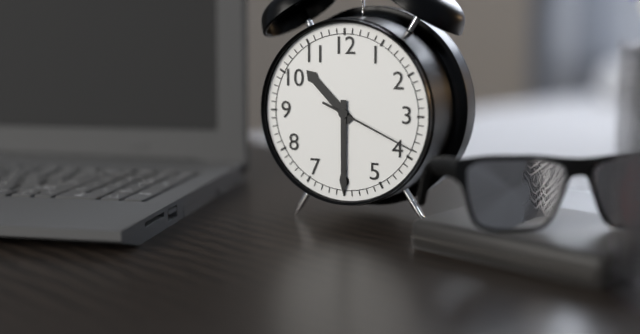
10:30:19
